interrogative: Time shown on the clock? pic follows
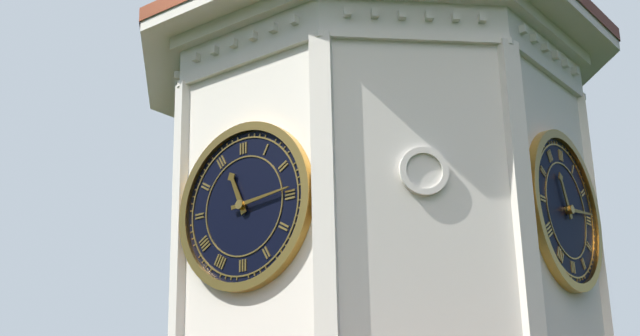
11:14
